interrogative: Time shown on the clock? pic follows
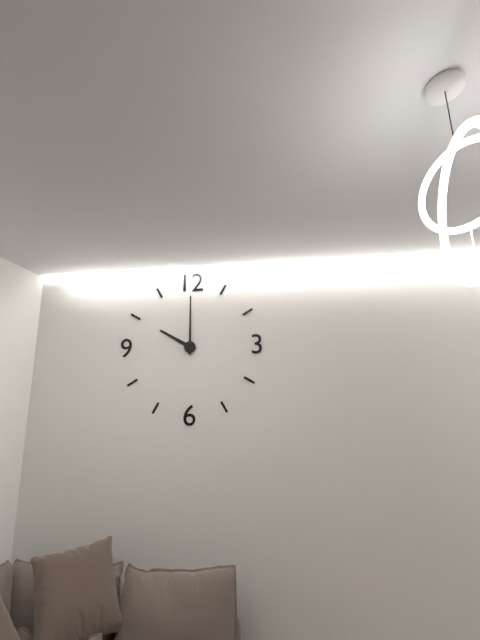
10:00
